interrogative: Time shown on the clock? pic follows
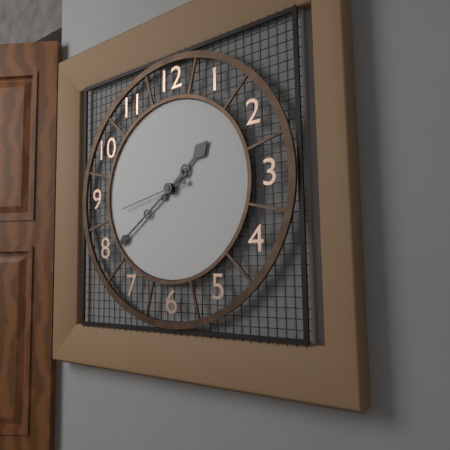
1:39:43
